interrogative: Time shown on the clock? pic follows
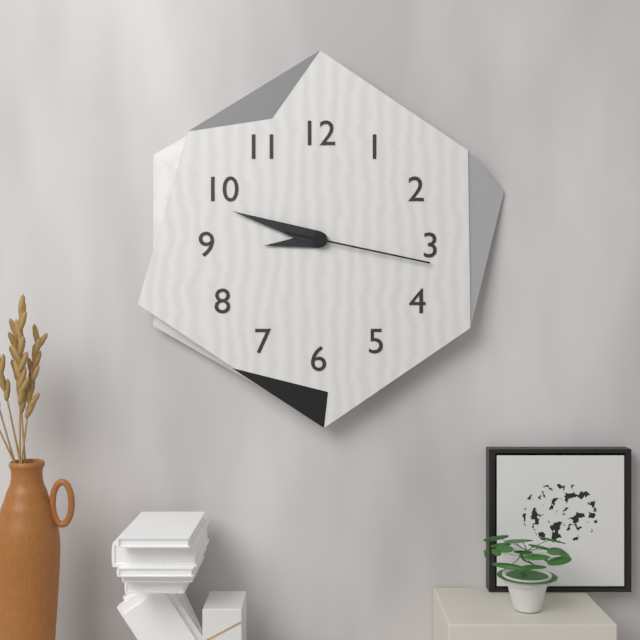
8:48:17
